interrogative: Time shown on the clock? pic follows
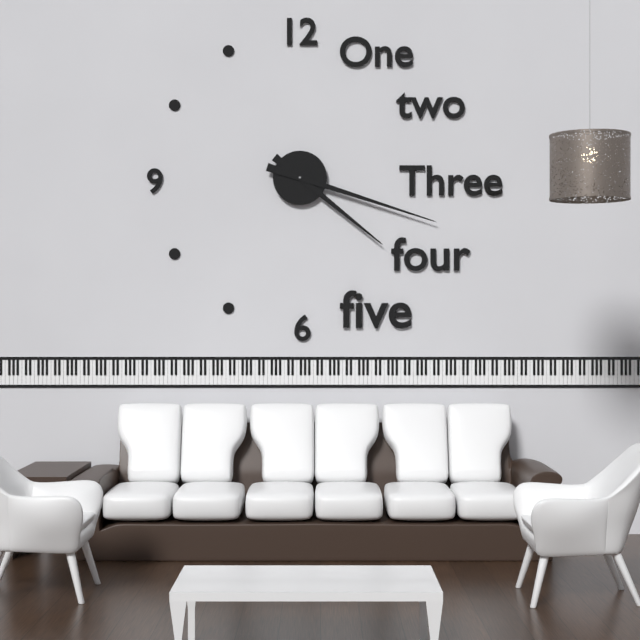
4:18
